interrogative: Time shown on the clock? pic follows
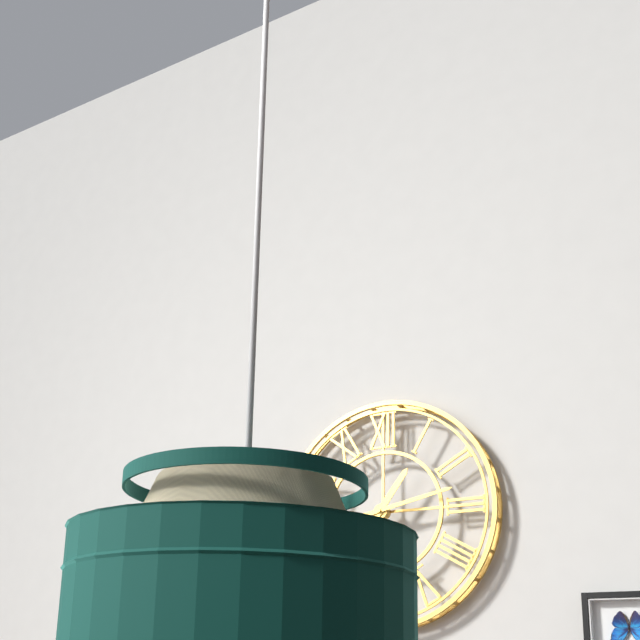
1:13
